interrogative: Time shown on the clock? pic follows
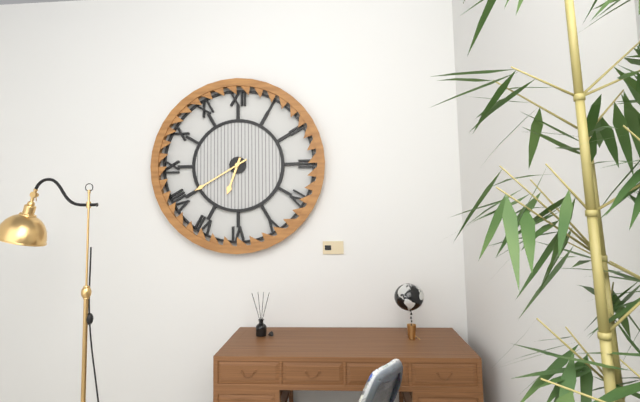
6:40
